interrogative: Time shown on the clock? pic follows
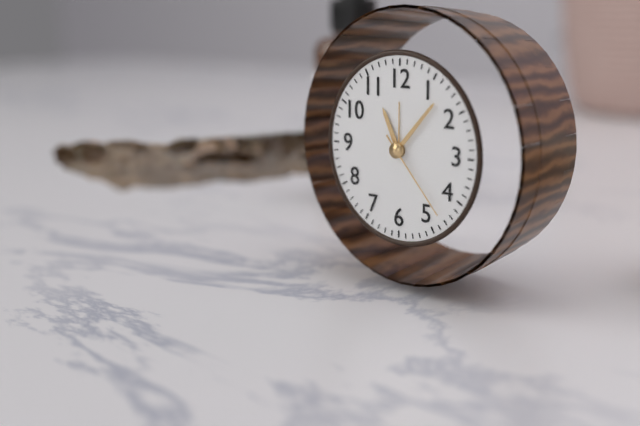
11:07:23
